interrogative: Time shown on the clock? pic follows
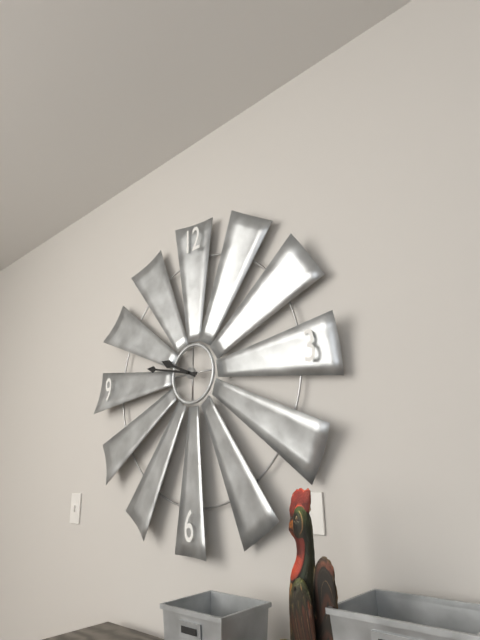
9:47
